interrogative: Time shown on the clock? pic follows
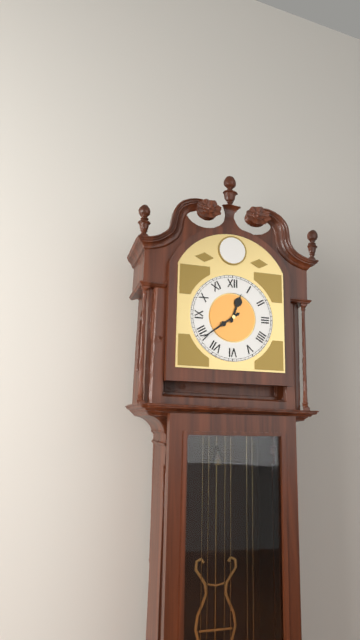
12:39
